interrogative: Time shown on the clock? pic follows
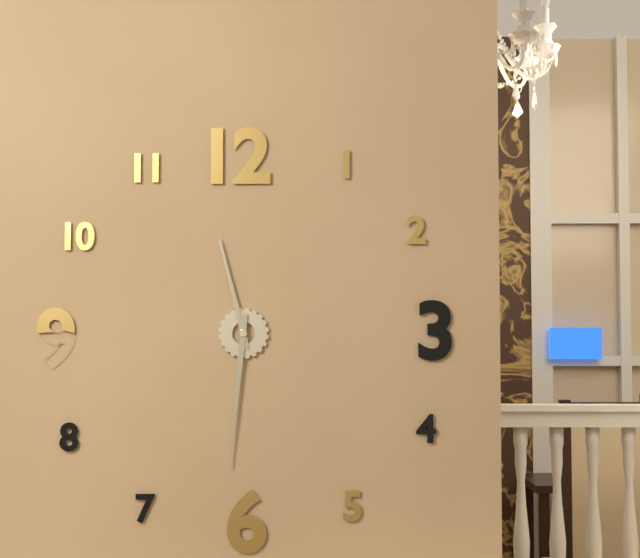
11:31
